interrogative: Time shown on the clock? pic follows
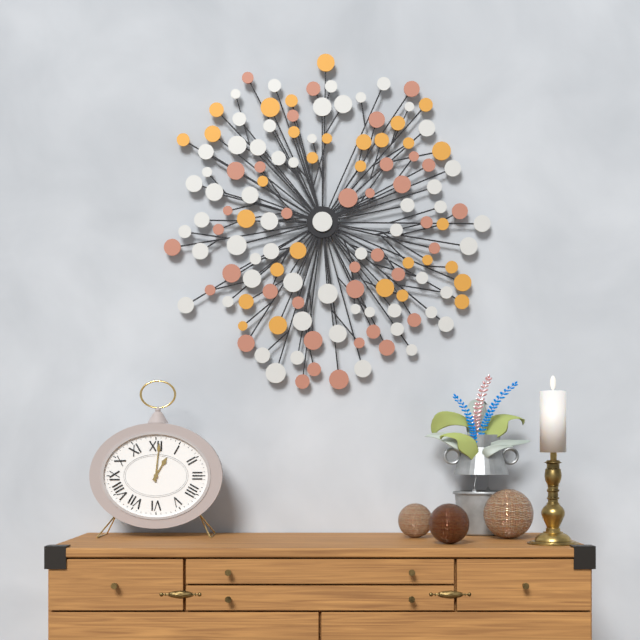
1:01
